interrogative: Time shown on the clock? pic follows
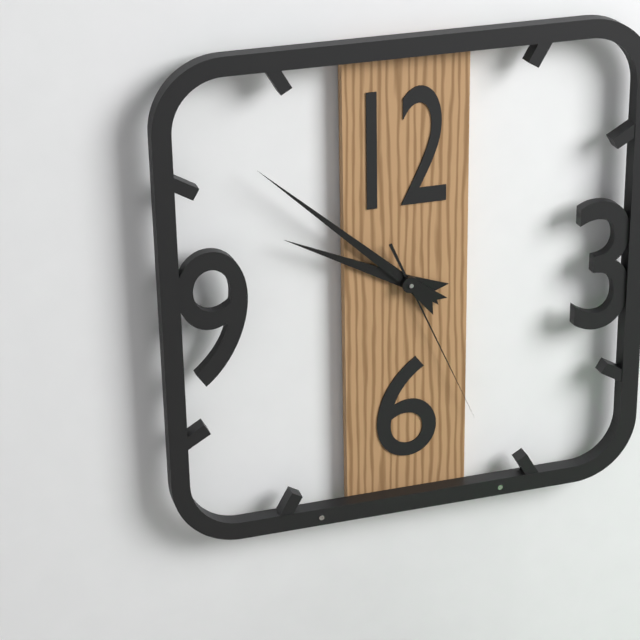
9:52:26
